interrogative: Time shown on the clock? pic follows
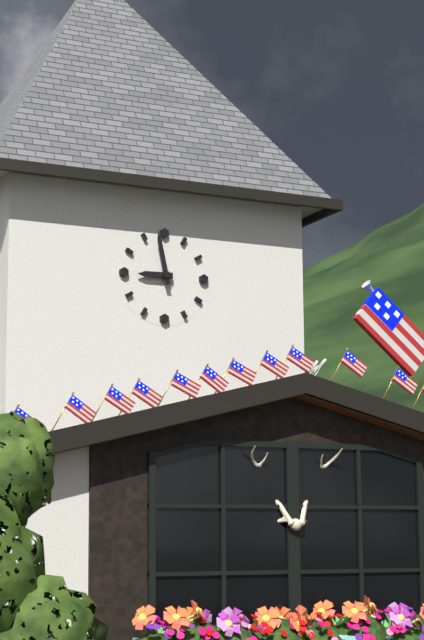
8:58
